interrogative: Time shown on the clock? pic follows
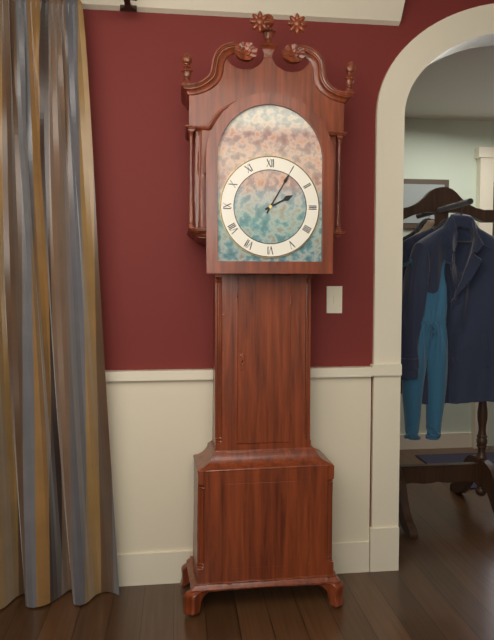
2:05
